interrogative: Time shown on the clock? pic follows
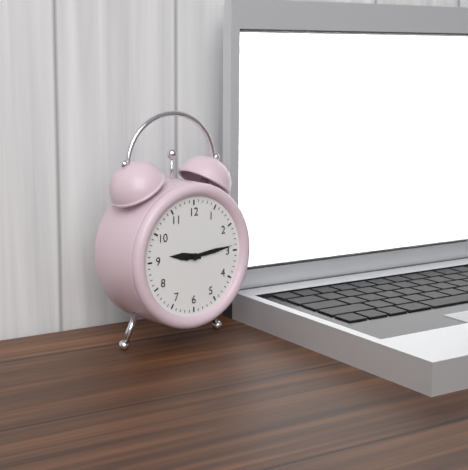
9:14
